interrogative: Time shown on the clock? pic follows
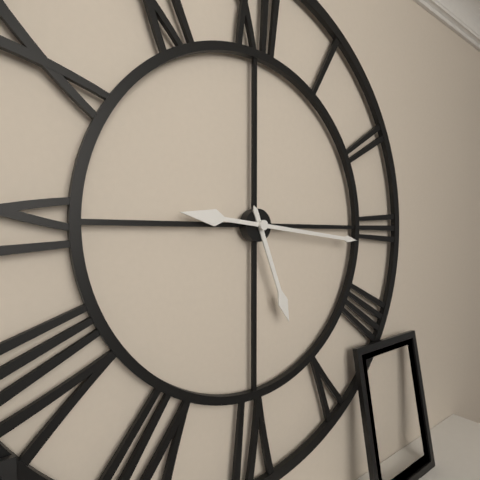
5:16
